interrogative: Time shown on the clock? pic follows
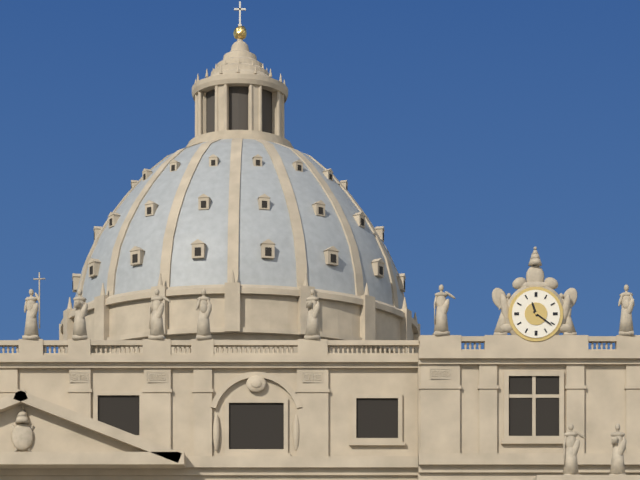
11:21
